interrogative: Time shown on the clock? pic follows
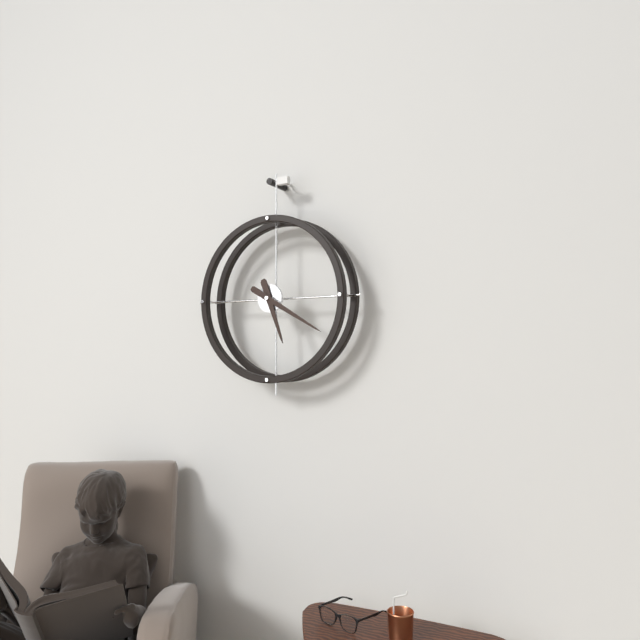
5:20
